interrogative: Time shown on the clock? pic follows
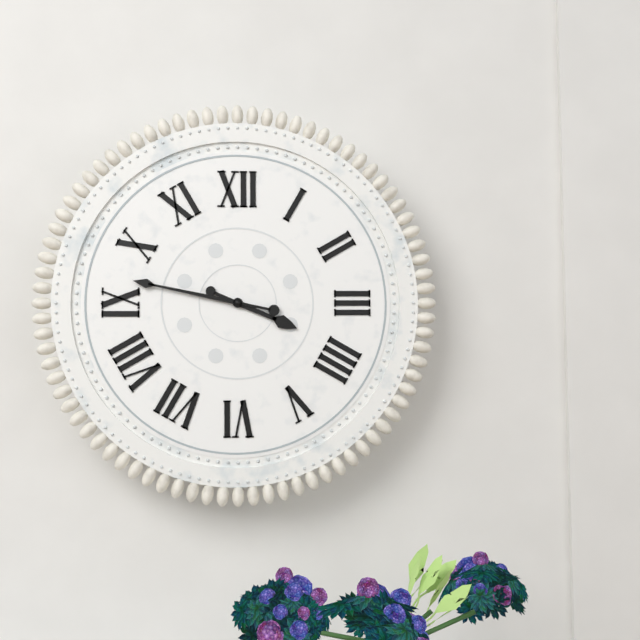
3:47
